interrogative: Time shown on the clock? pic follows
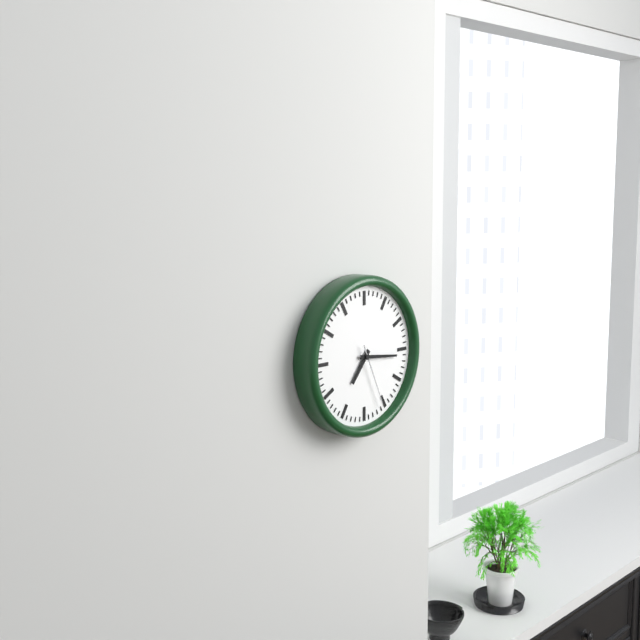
7:16:26
